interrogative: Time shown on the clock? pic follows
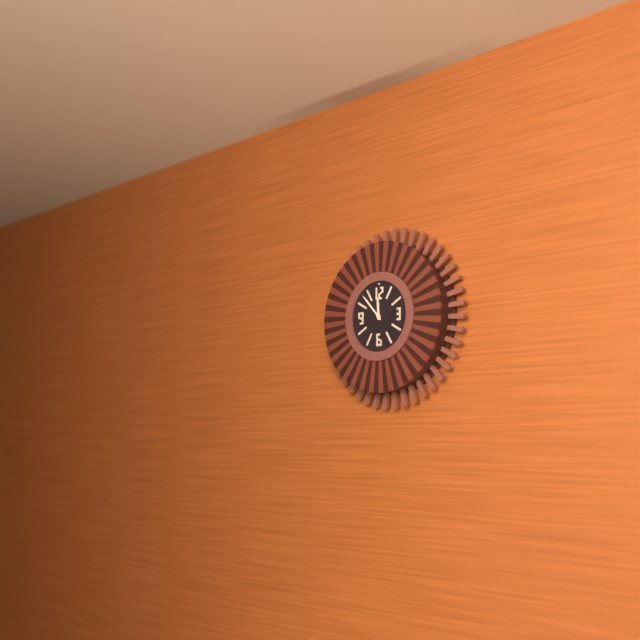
11:53
